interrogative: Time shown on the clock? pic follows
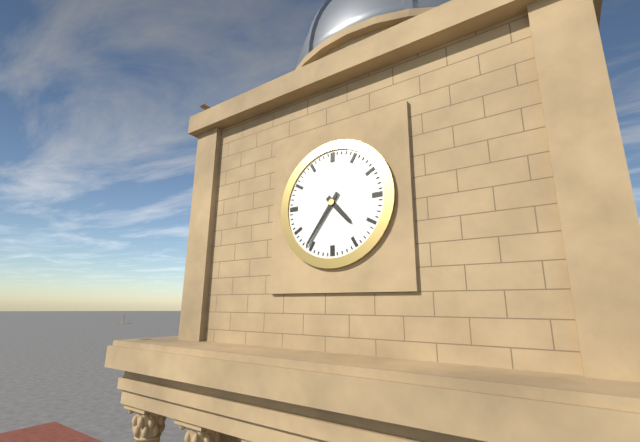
4:36
